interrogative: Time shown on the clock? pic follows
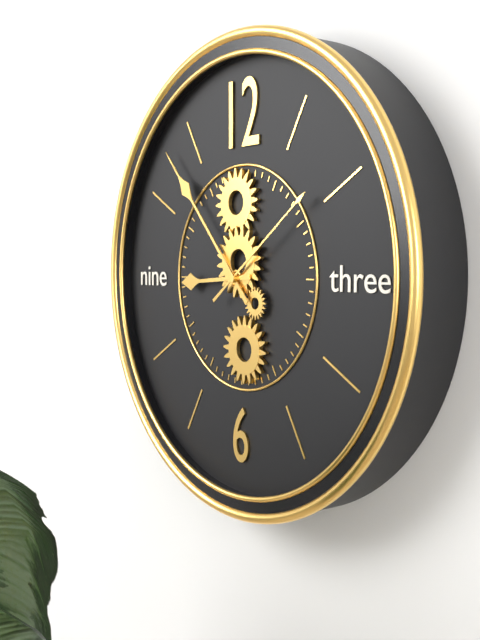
8:53:09
